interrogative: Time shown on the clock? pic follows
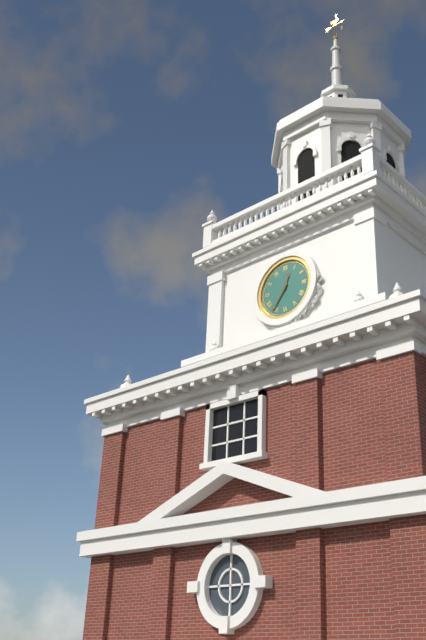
12:36
